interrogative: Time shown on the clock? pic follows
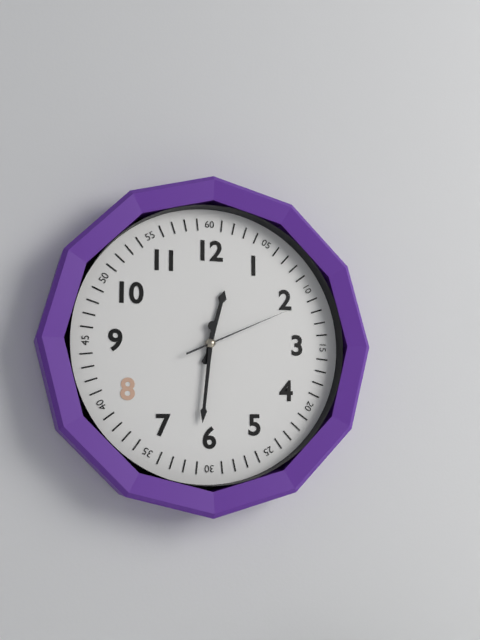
12:31:11
